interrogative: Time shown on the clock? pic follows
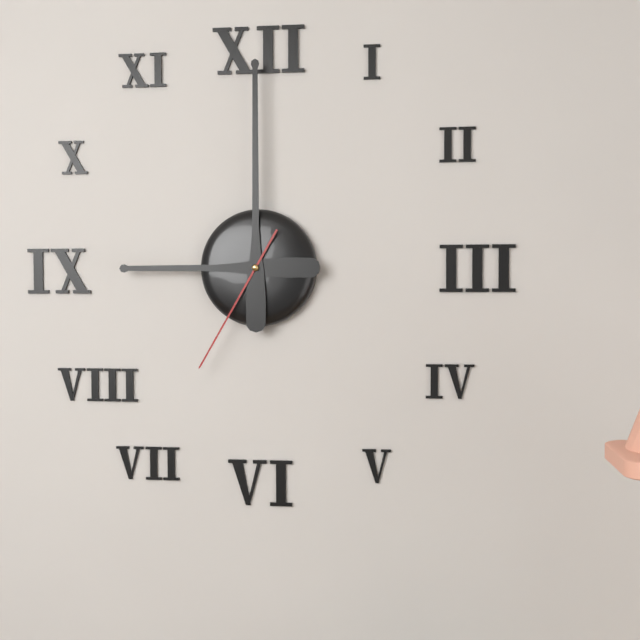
9:00:35
